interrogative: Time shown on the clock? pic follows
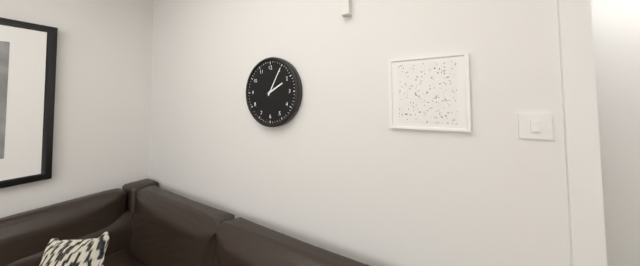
2:05
